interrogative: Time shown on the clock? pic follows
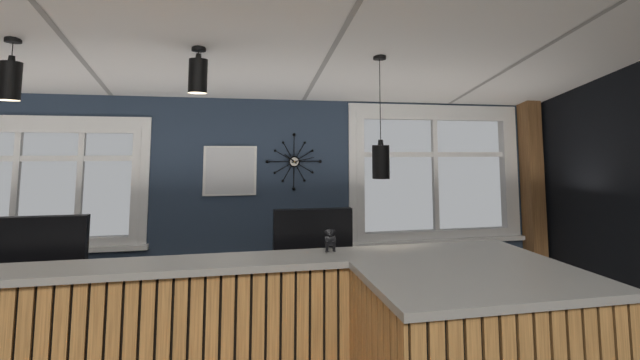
10:13
